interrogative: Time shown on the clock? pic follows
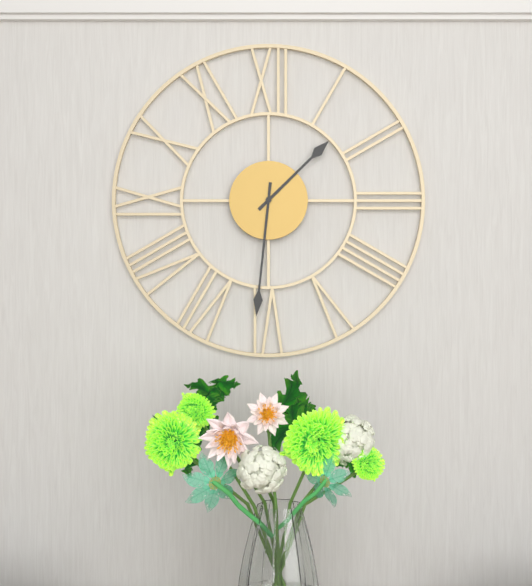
1:31
